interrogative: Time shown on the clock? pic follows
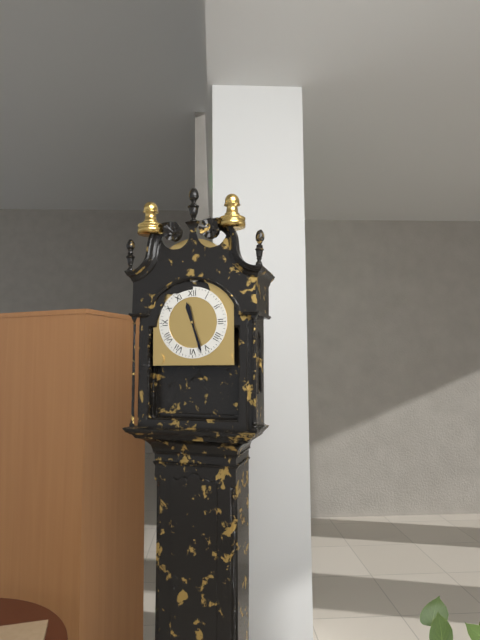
11:27
